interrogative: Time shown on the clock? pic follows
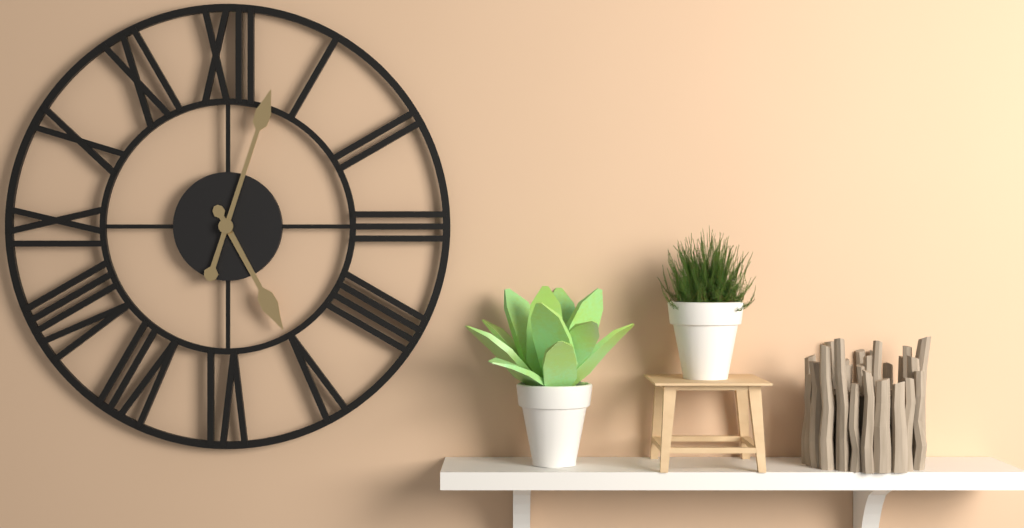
5:03
